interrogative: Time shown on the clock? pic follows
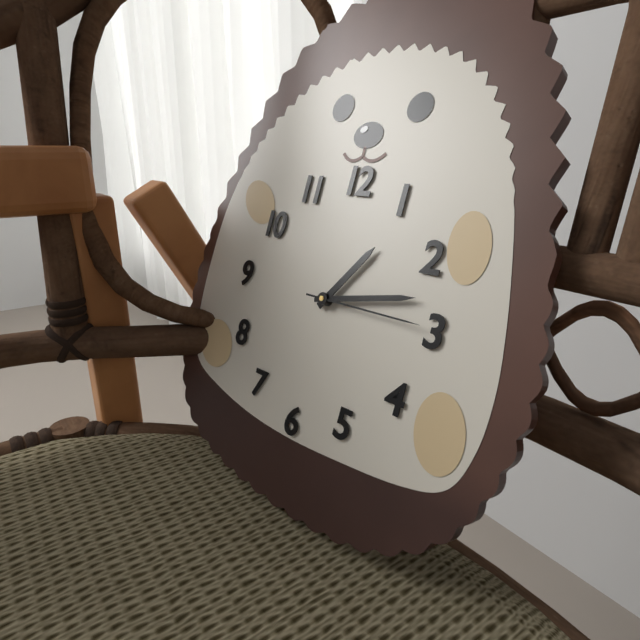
1:13:15
